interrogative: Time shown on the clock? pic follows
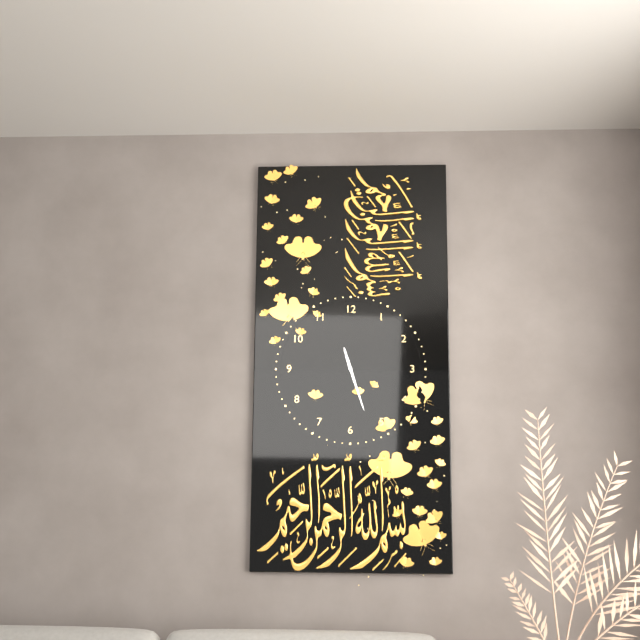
11:27:27
